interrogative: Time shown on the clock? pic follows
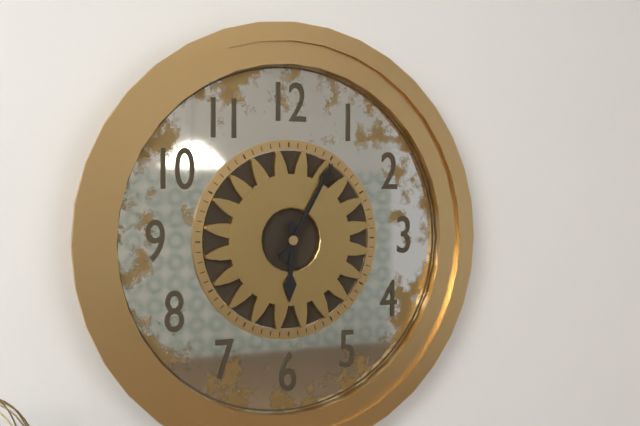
6:05
